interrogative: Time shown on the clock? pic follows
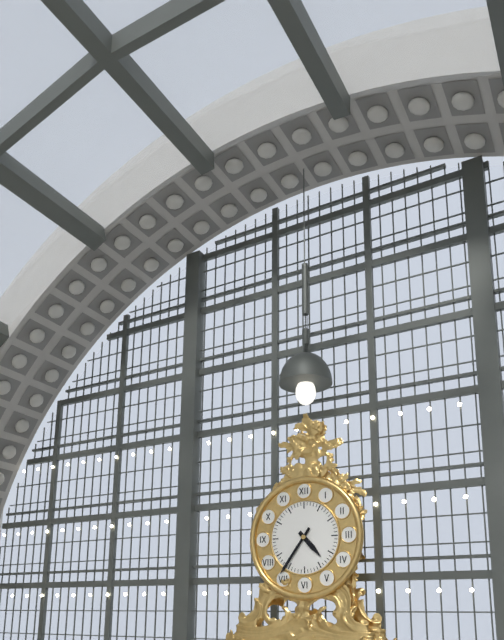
4:36
